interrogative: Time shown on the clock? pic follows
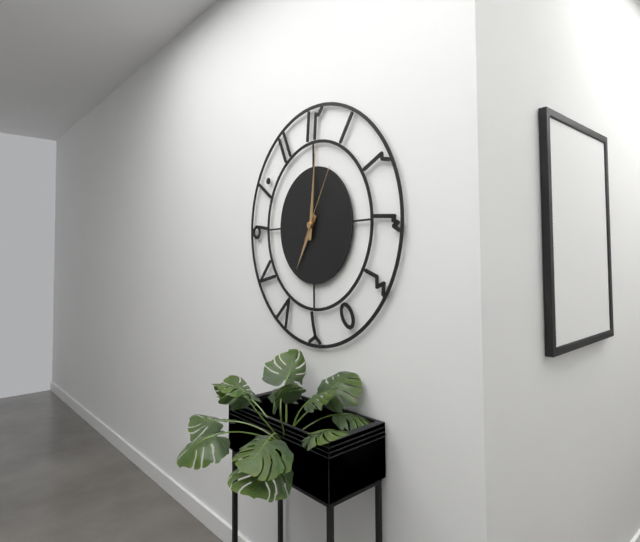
7:01:05
